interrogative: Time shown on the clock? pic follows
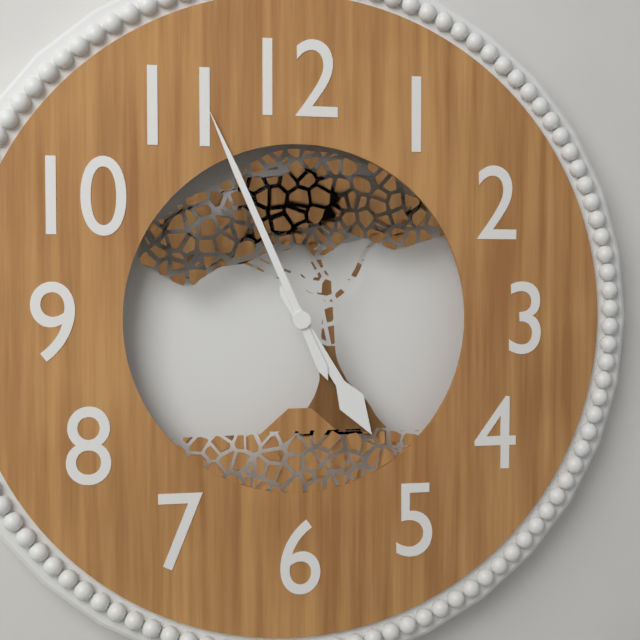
4:56
